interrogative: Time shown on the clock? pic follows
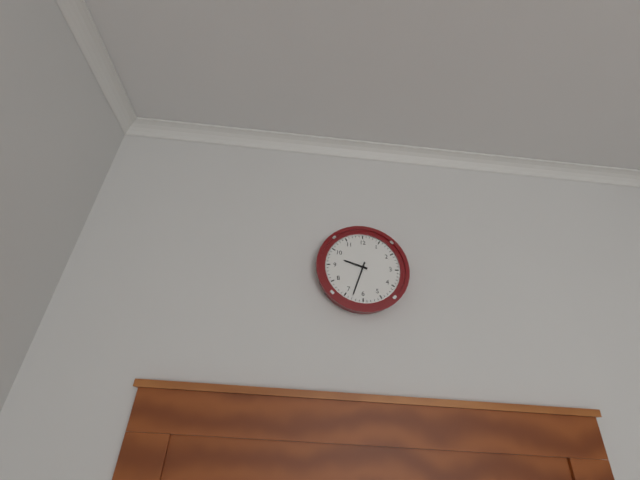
9:33
